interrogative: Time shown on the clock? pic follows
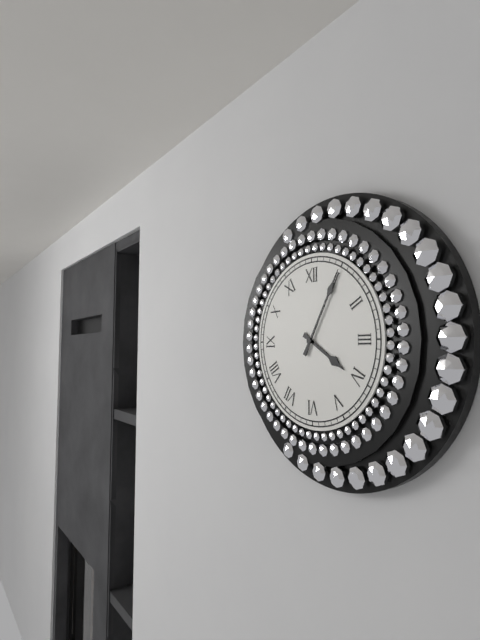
4:05
